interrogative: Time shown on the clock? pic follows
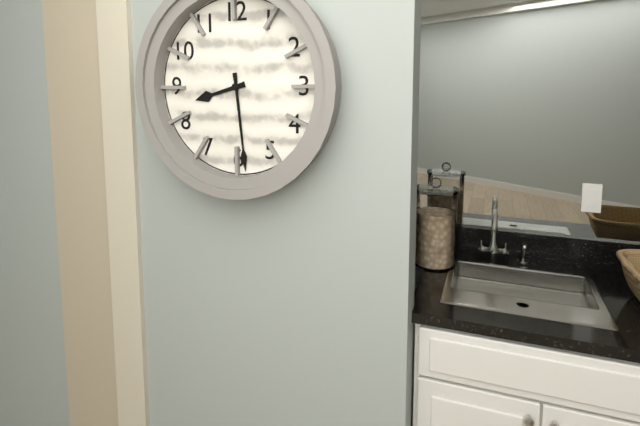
8:29
